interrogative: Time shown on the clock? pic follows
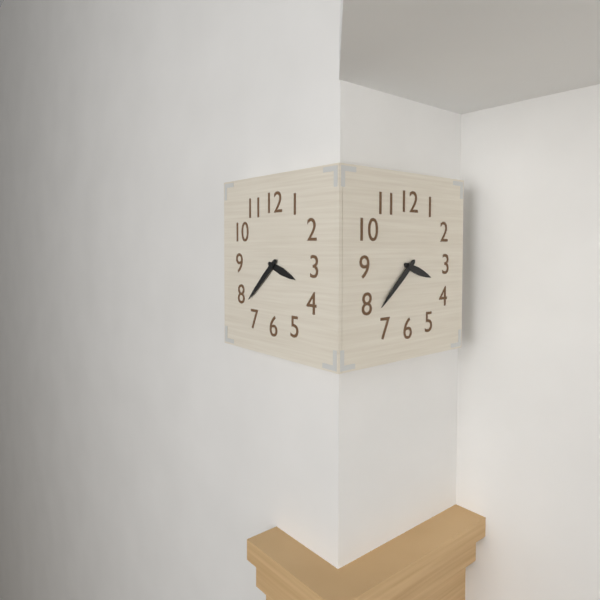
3:38
